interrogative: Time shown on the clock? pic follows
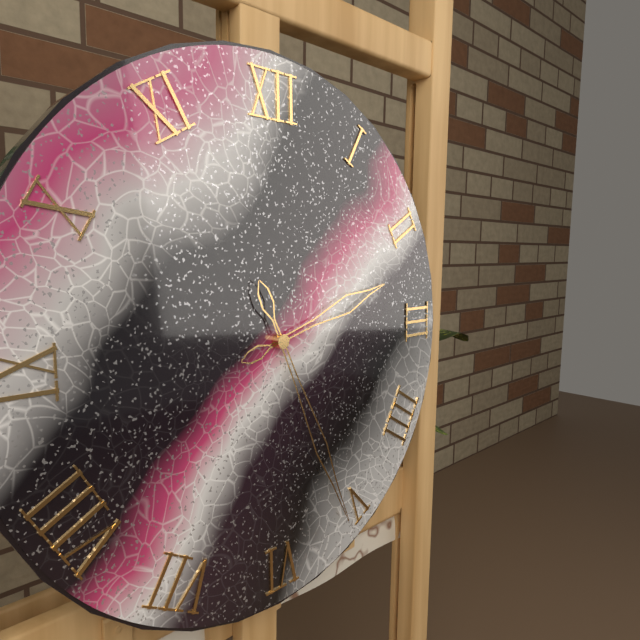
2:26
